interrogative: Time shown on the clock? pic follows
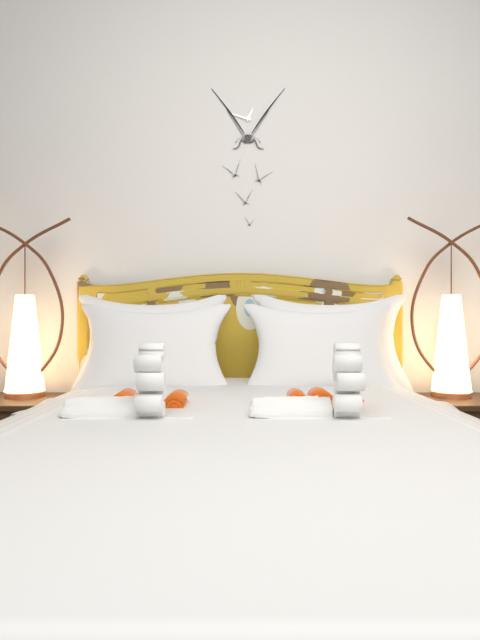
12:48
